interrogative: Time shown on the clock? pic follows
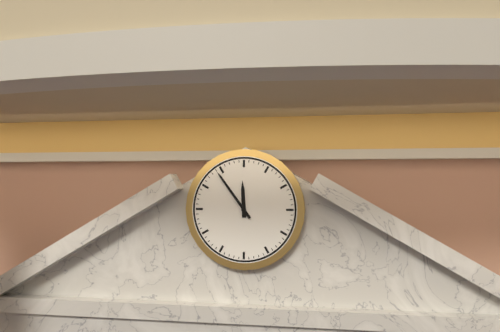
11:54
